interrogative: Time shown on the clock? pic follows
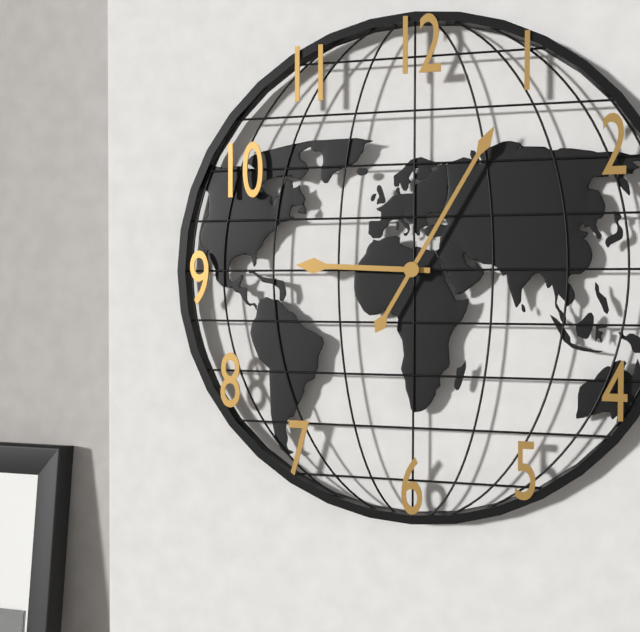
9:05
